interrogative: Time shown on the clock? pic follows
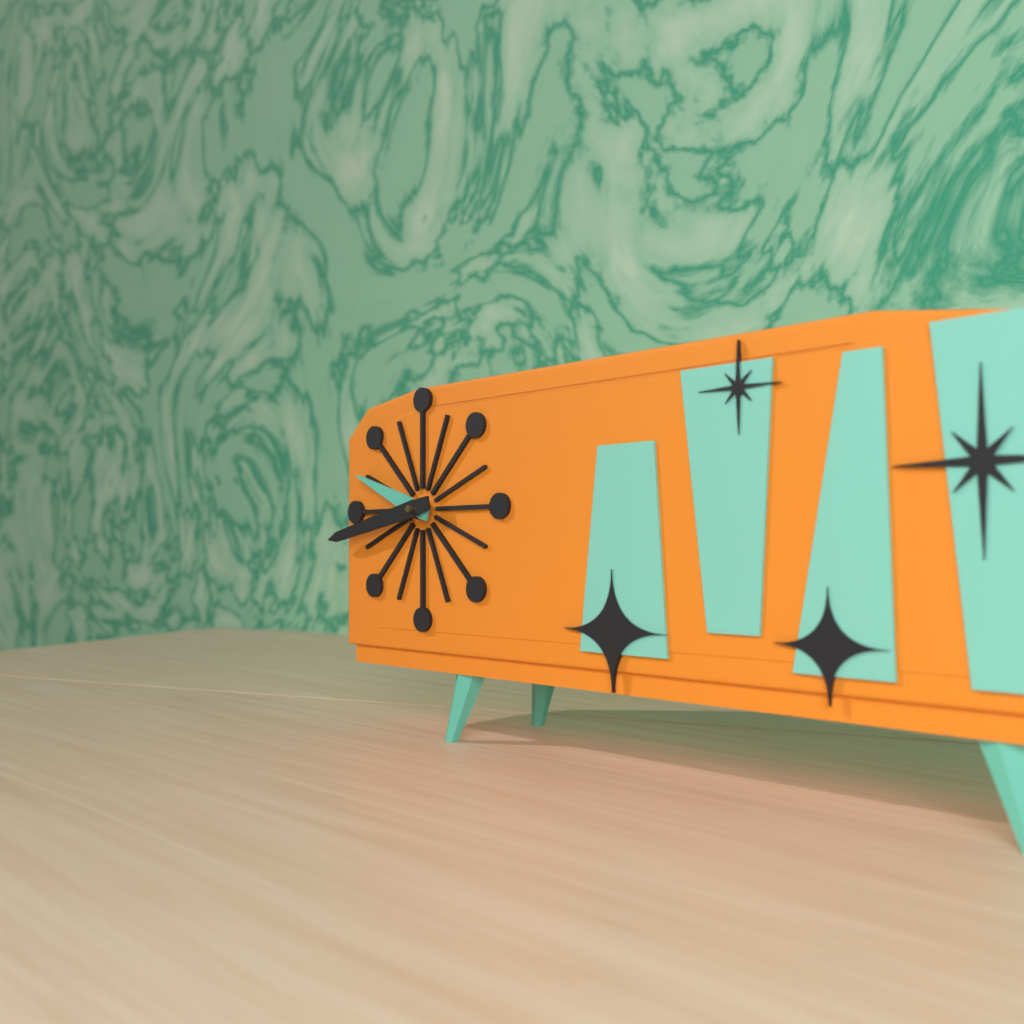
9:43
